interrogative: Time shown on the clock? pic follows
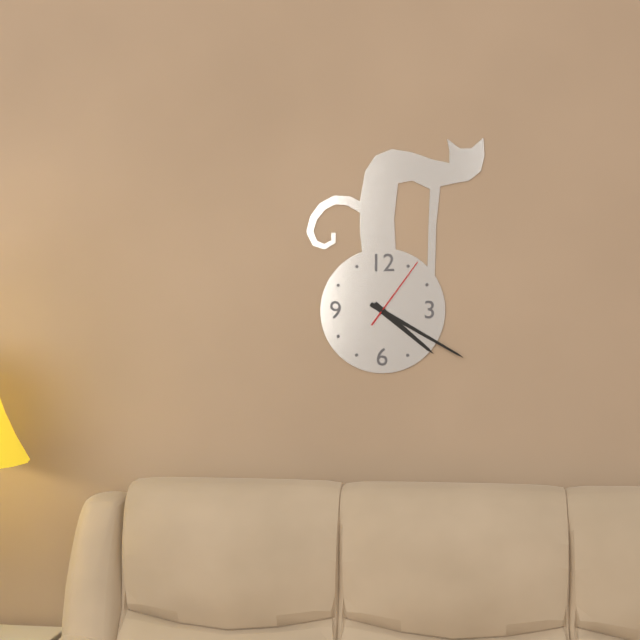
4:20:06
